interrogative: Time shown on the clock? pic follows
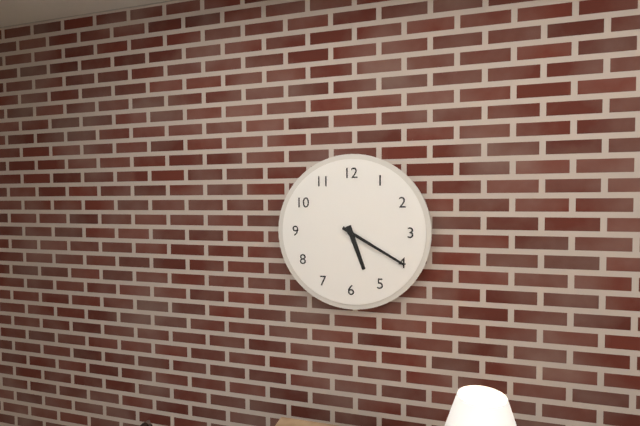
5:20
